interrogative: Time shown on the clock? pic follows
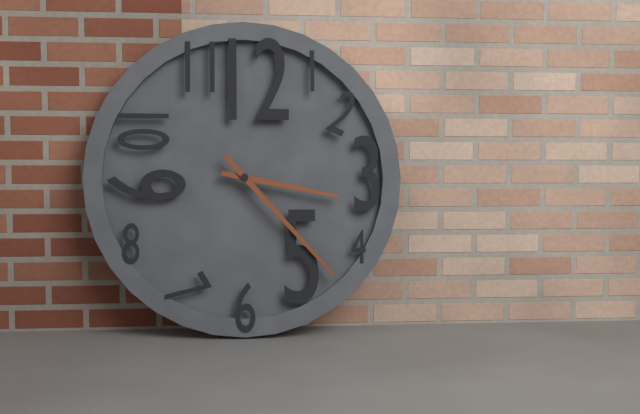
3:23
